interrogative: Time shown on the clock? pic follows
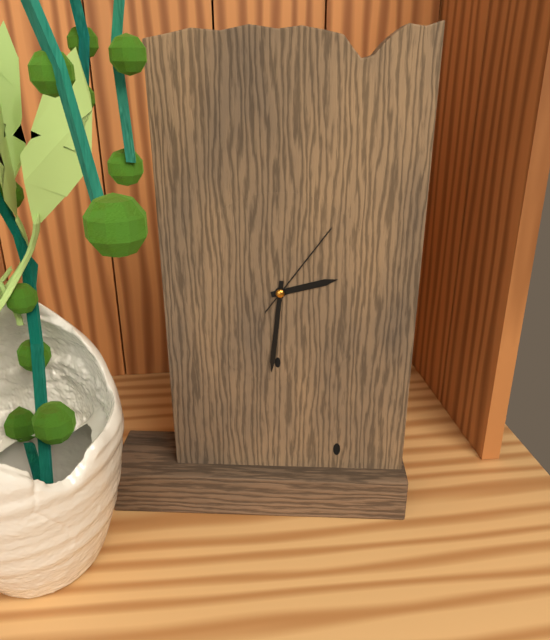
2:31:06
